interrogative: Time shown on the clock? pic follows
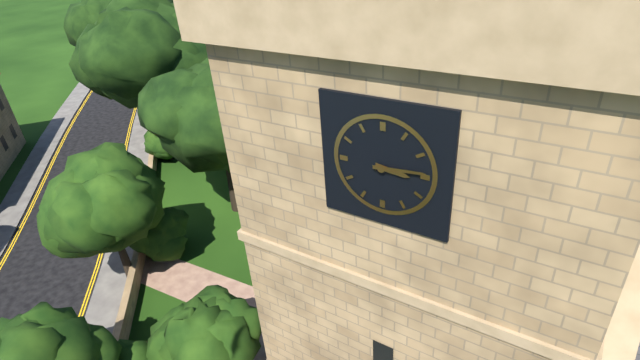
3:14
